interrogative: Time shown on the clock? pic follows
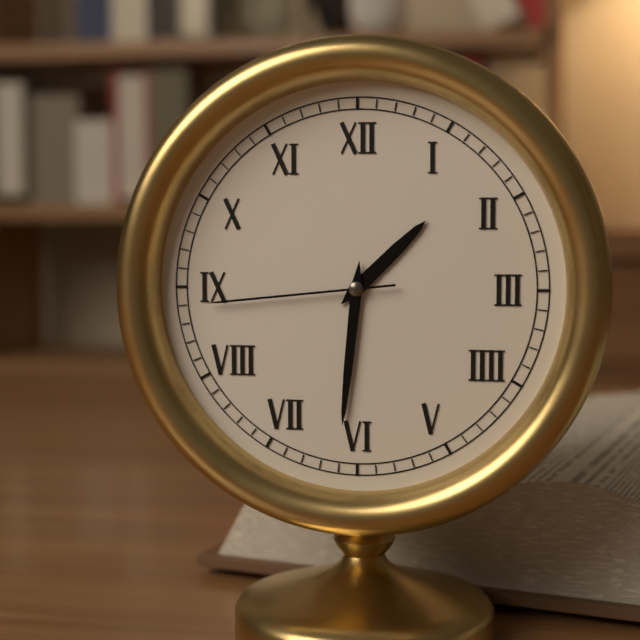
1:31:44
